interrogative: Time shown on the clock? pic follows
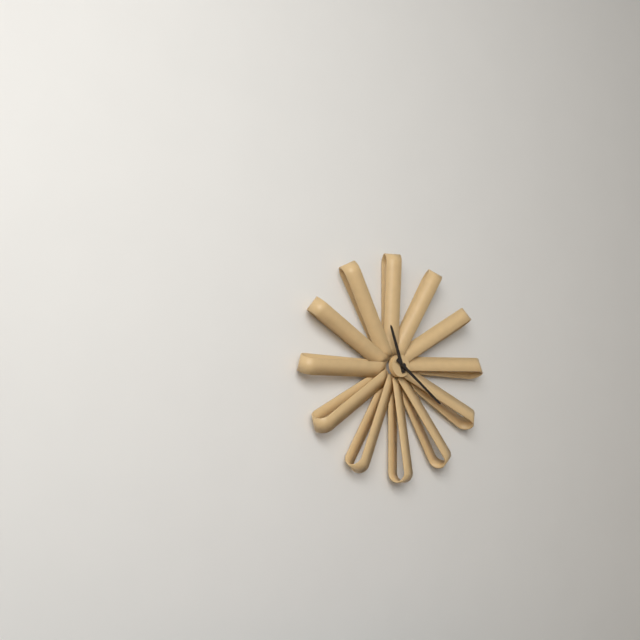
11:21
